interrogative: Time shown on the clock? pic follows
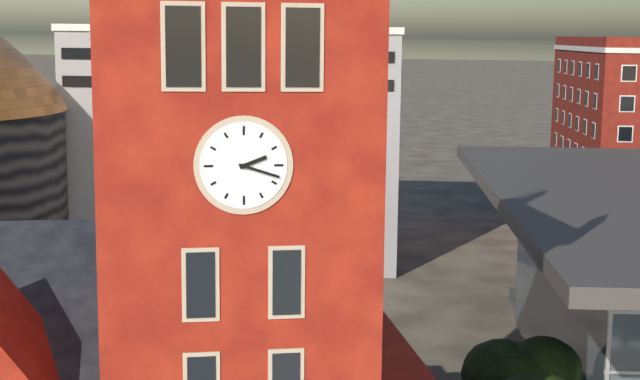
2:18
